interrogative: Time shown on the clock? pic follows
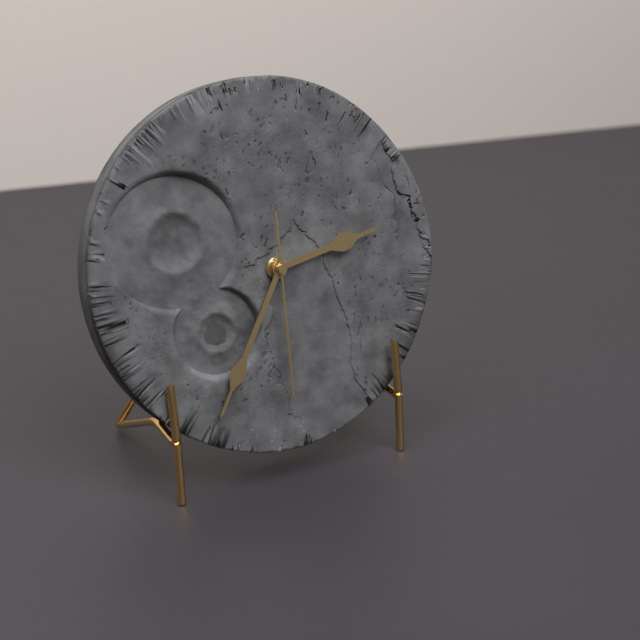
2:35:30
